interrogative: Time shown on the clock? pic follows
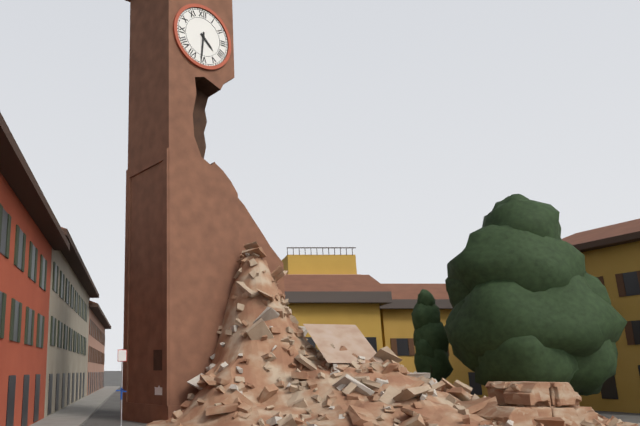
4:31
